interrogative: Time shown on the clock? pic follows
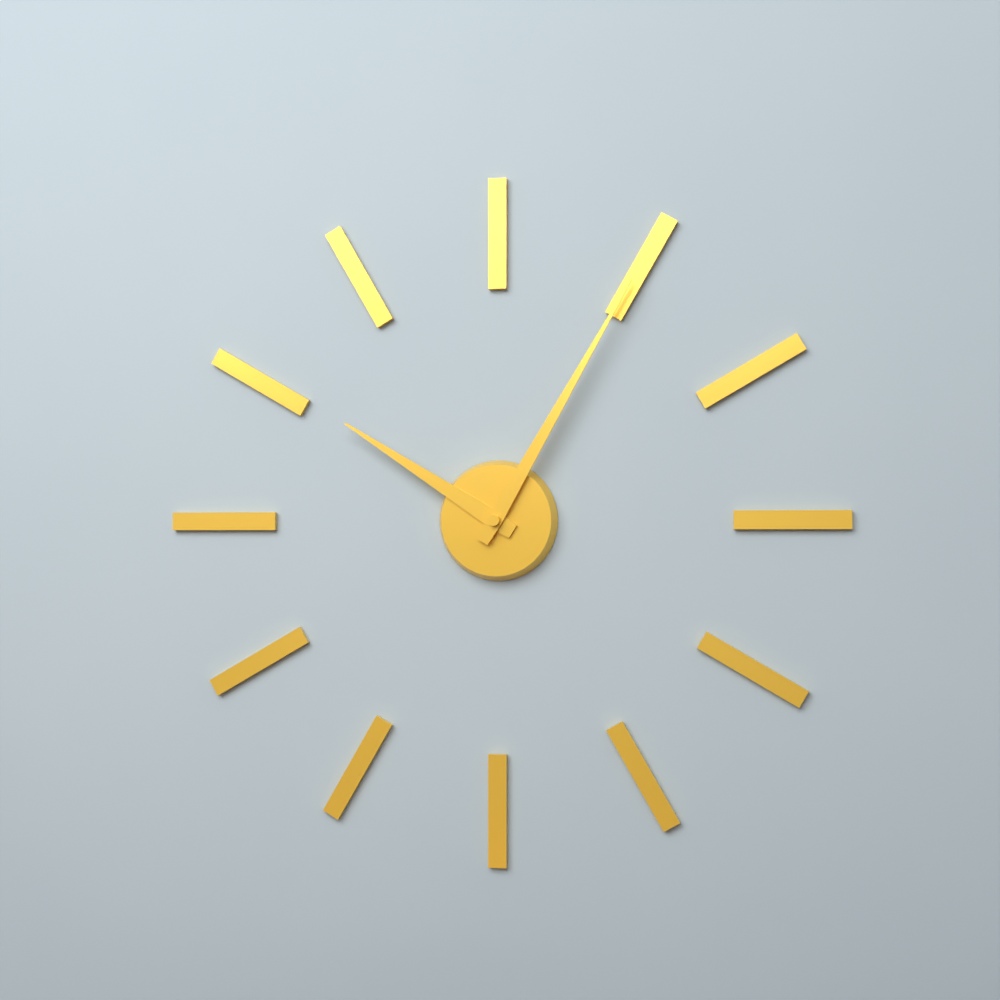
10:05
